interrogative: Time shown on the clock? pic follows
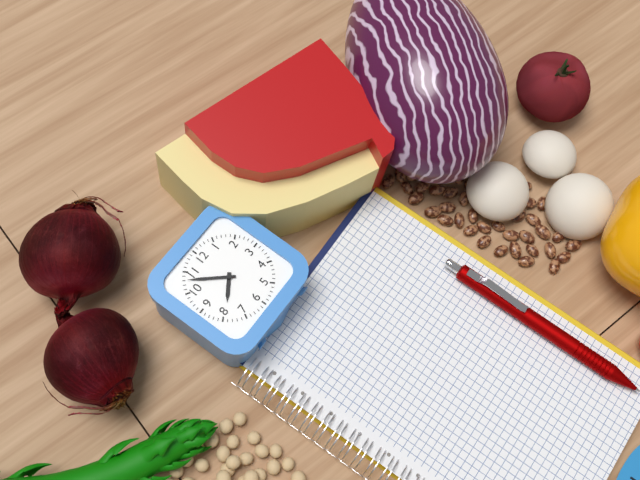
7:53
